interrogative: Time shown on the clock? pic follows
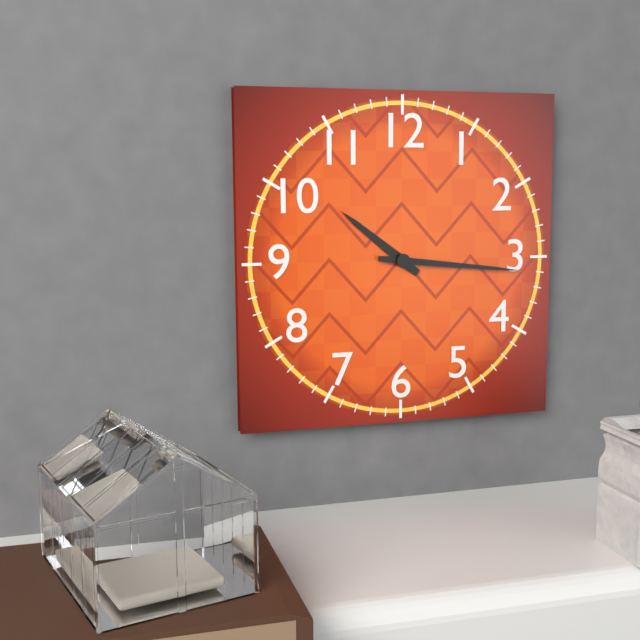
10:16
